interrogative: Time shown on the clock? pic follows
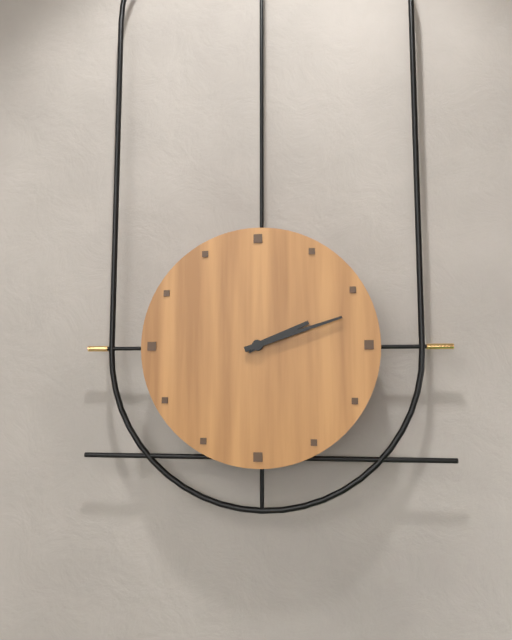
2:12
